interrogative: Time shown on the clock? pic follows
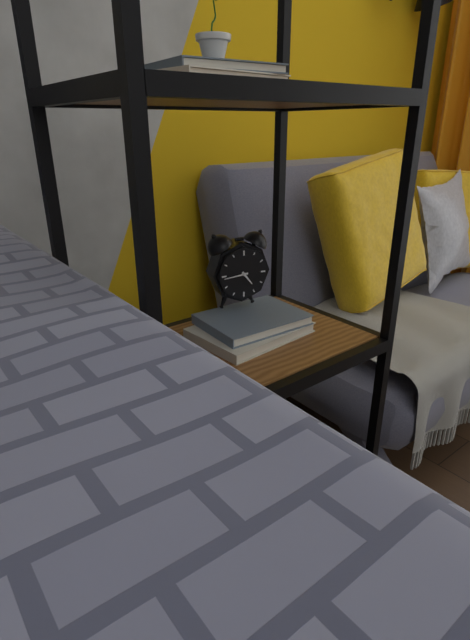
4:44
